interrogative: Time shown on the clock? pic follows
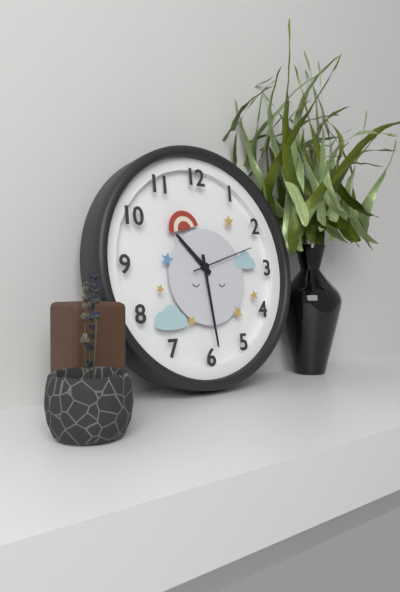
10:29:12
